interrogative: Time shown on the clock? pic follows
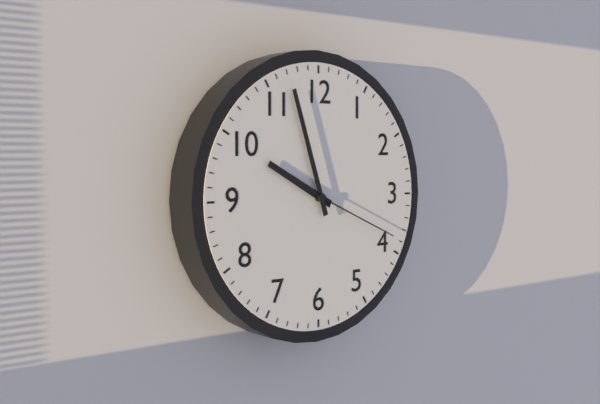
9:57:19
